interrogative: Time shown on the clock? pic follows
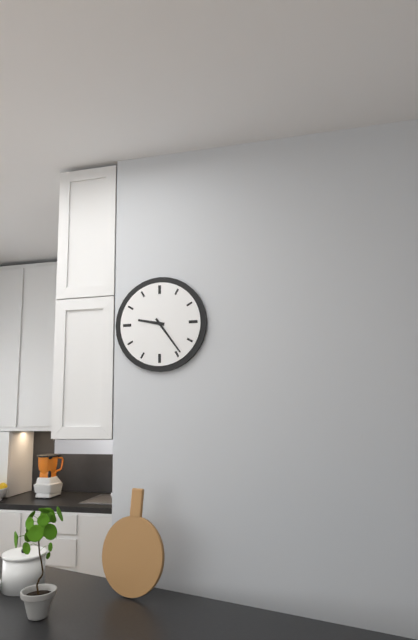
9:24
